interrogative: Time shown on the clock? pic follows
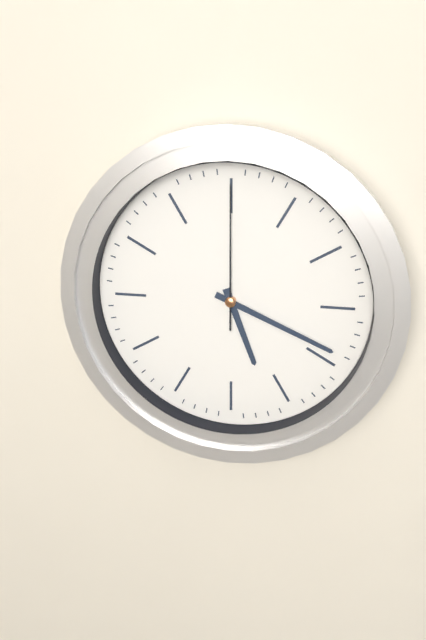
5:19:00
